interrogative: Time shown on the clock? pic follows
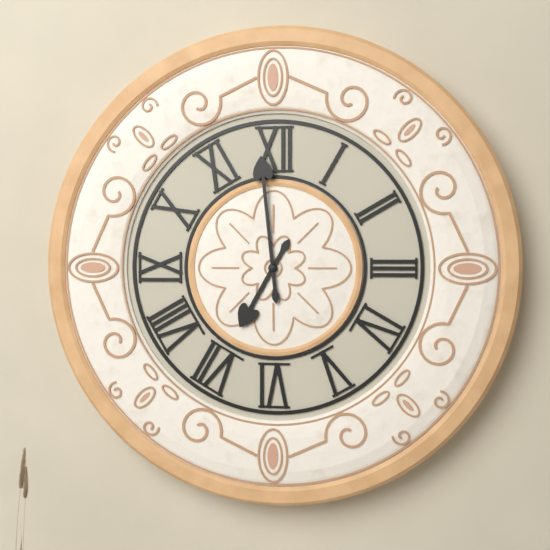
6:59
